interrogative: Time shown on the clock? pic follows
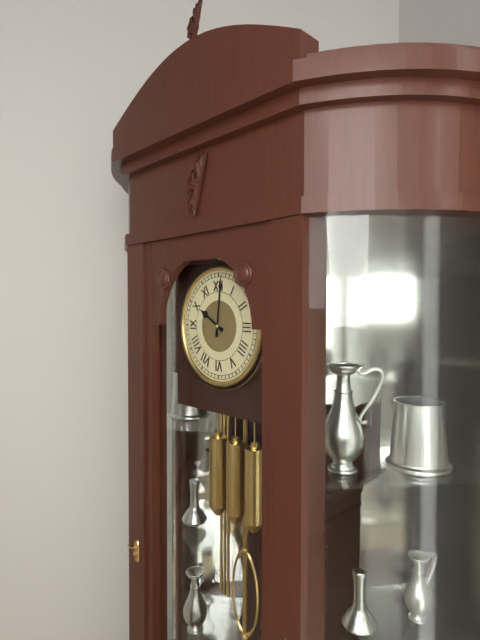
10:01
